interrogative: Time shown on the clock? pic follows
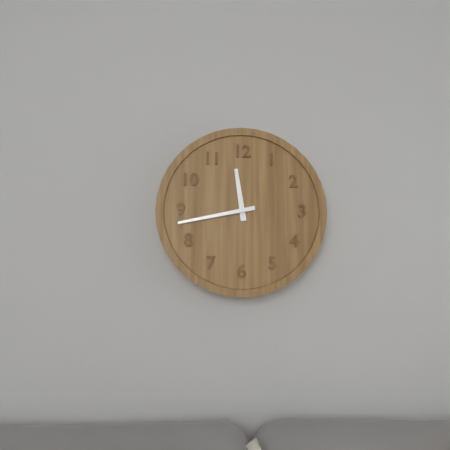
11:43
